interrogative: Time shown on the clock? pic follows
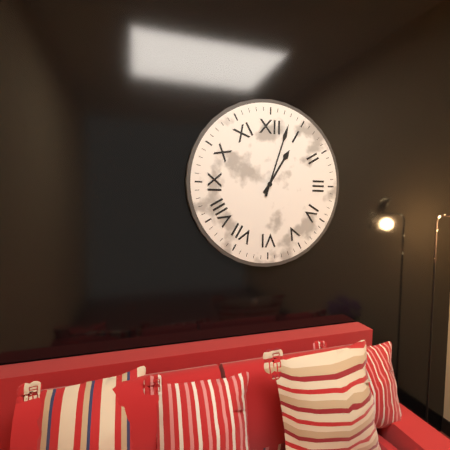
1:03
